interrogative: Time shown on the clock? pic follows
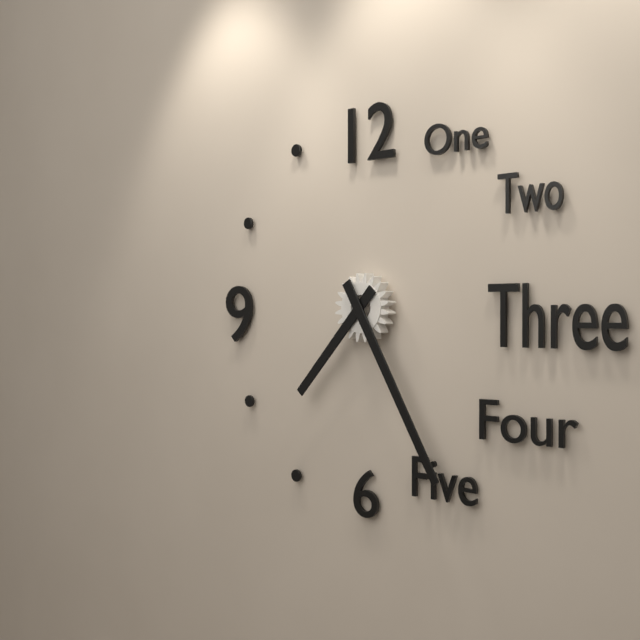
7:25
